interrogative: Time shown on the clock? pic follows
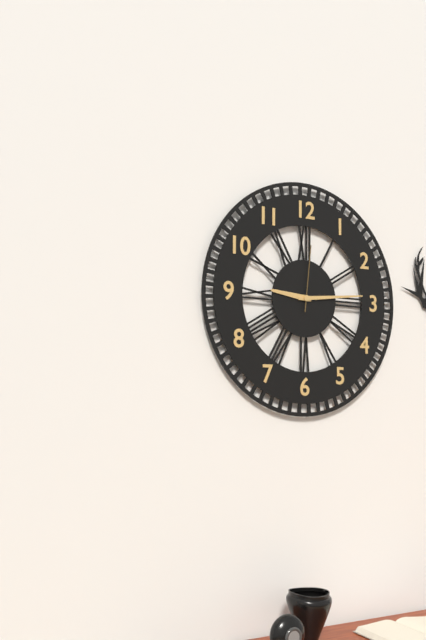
9:14:01
